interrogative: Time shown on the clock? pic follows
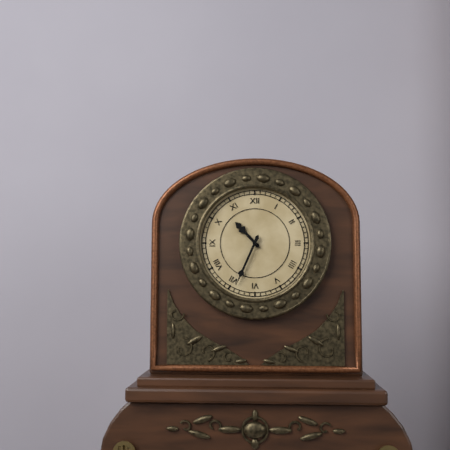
10:34
